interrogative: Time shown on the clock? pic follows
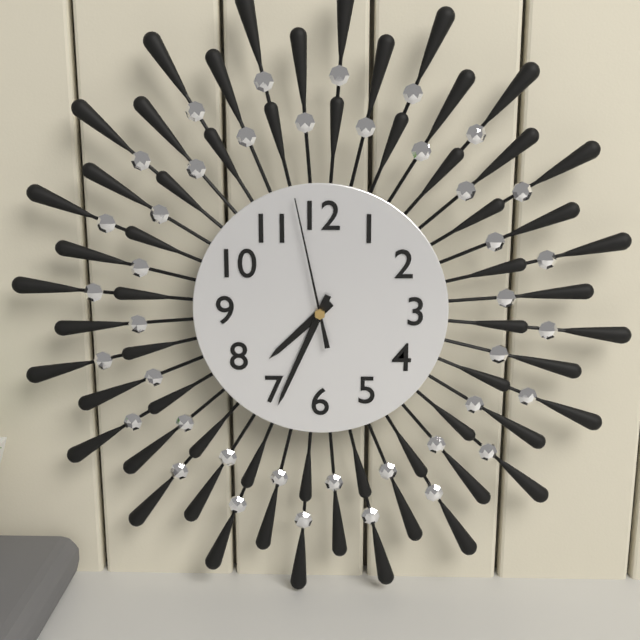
7:34:58
